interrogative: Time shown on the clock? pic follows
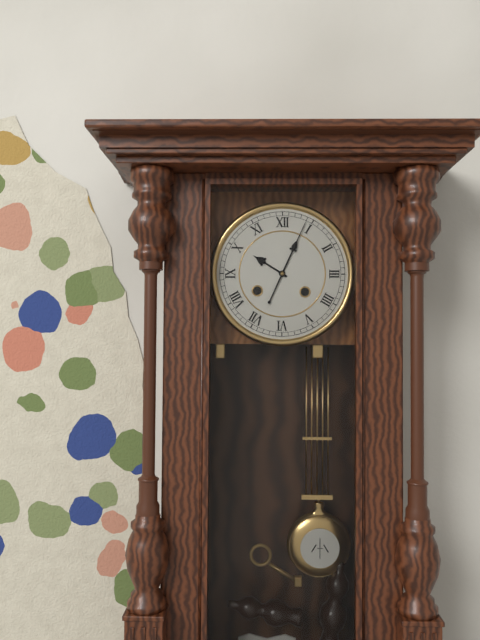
10:04
